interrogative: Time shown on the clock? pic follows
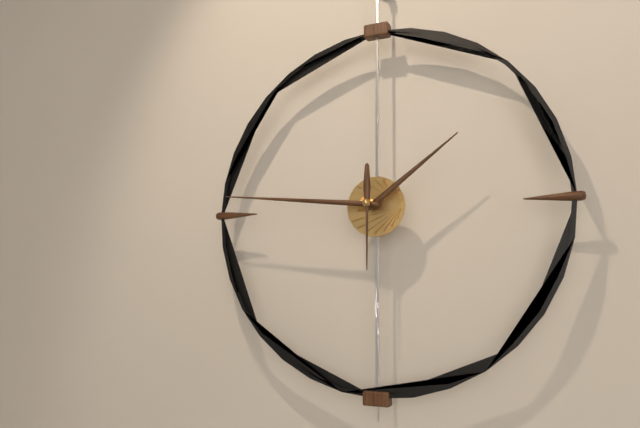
1:46:30
